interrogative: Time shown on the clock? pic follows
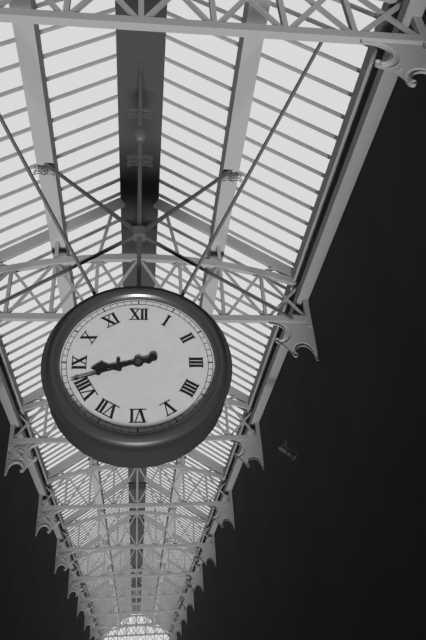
8:42
